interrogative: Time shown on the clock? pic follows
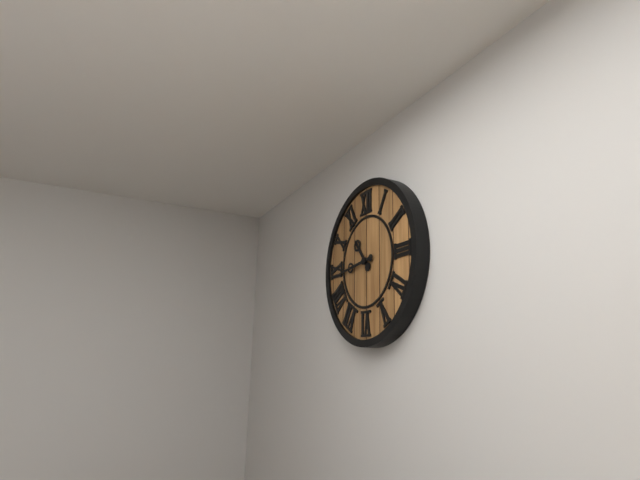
10:44
